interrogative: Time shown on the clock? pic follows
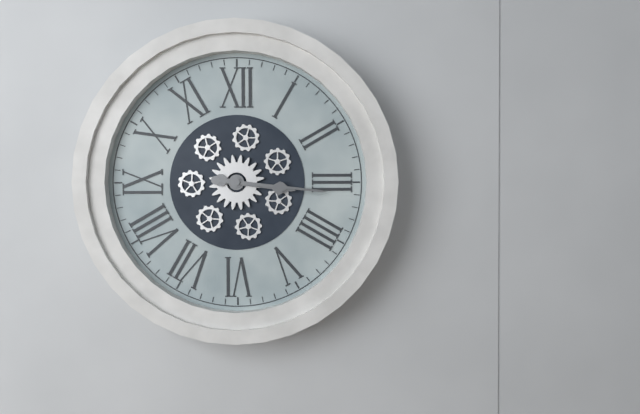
3:16
